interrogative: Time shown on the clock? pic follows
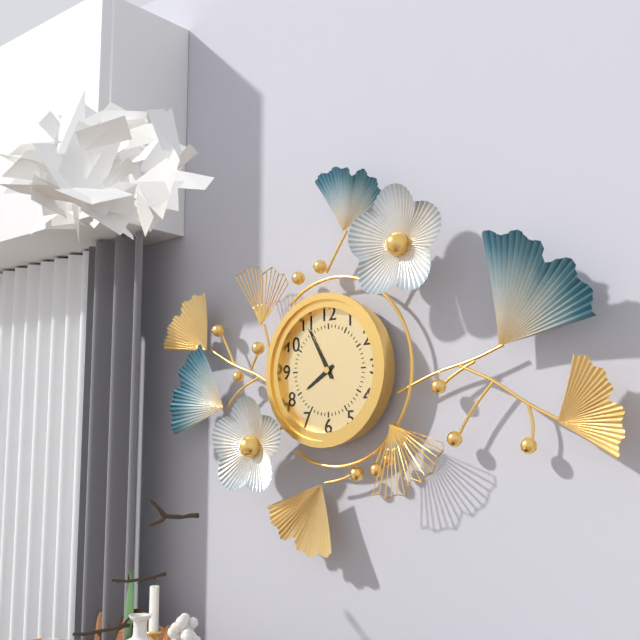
7:55
